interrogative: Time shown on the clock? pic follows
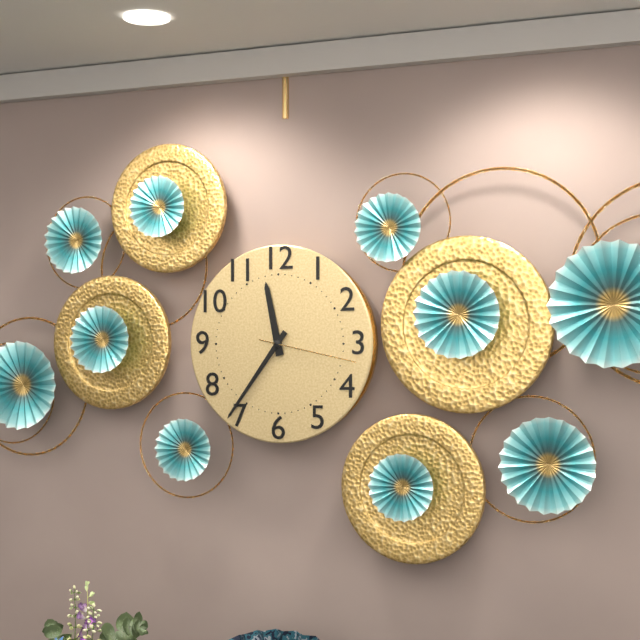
11:36:17
